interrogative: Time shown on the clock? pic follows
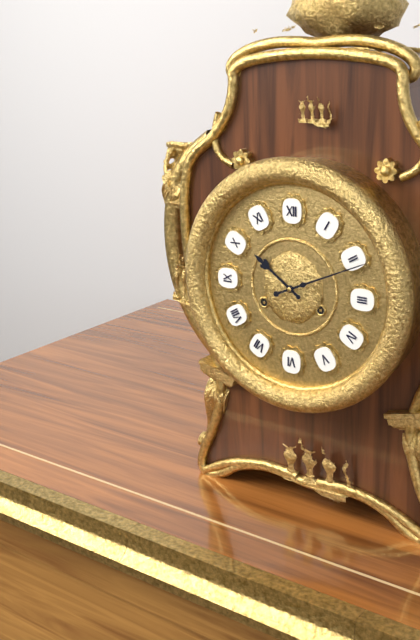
10:11
